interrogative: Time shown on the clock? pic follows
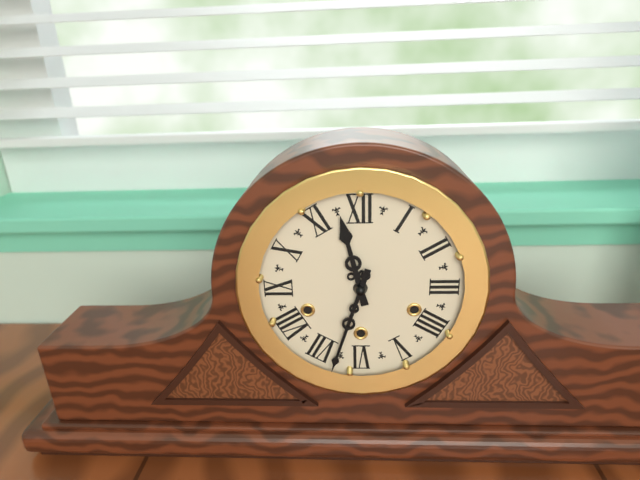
11:33
